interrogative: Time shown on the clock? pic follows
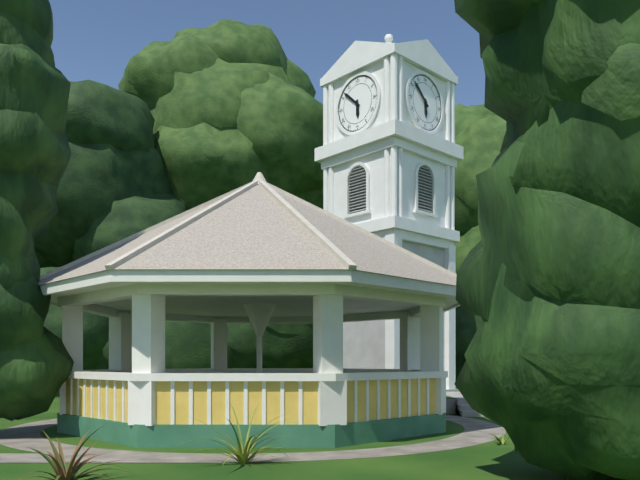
5:52
